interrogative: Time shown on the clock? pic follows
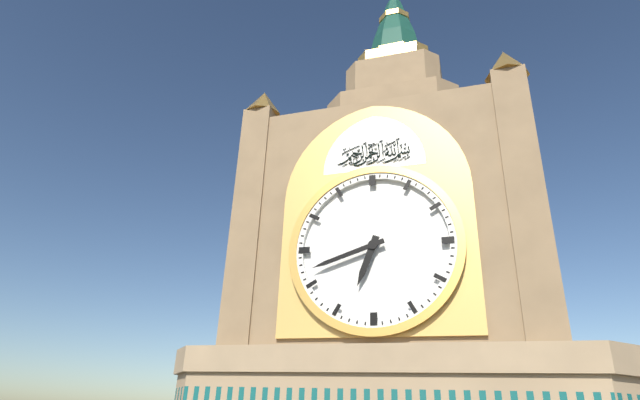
6:42
